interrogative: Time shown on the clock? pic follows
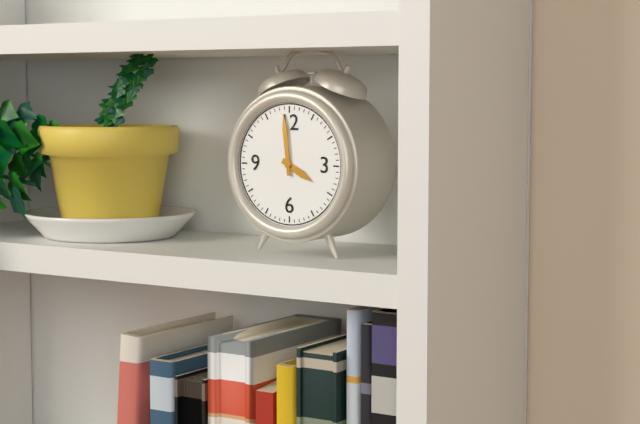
3:59
